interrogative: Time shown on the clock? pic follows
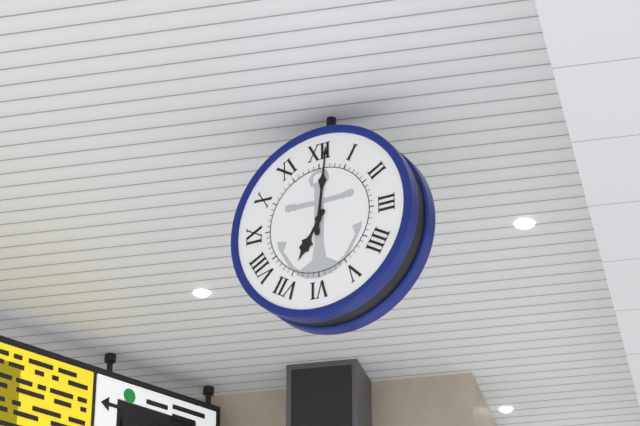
7:01
